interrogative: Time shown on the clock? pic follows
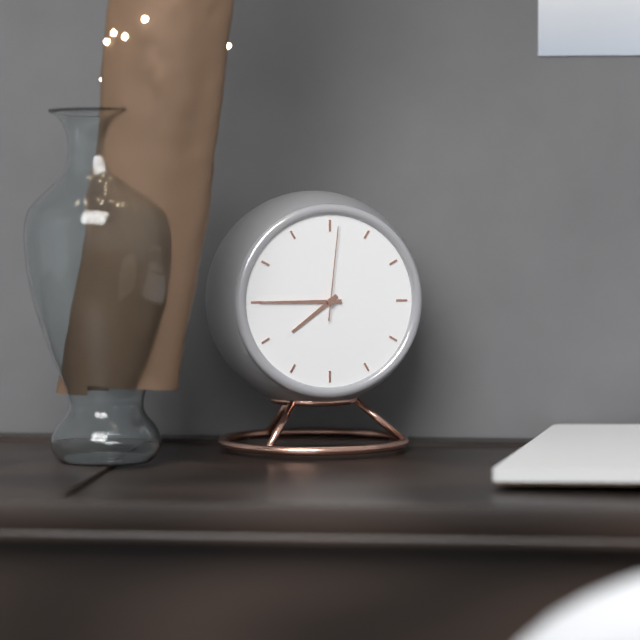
7:45:01
